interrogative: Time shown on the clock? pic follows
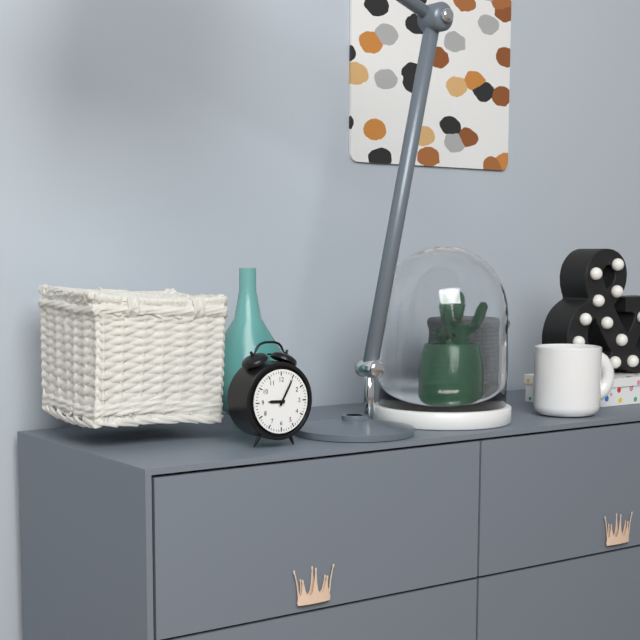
9:05
